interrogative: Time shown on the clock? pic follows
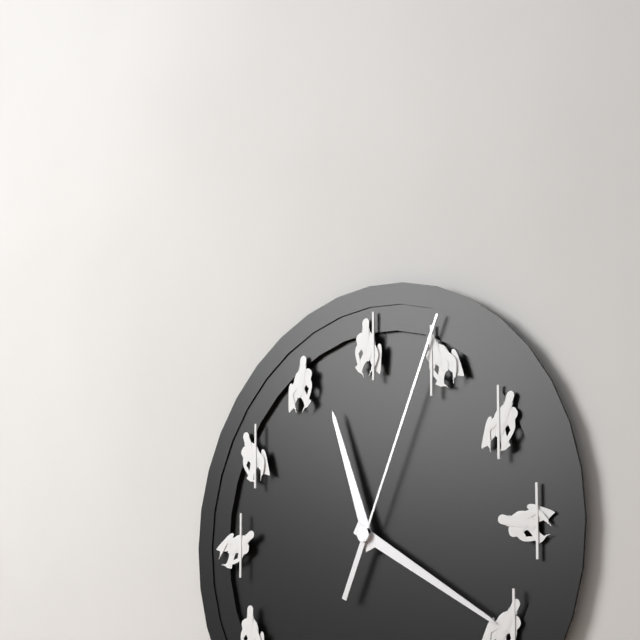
11:20:04
